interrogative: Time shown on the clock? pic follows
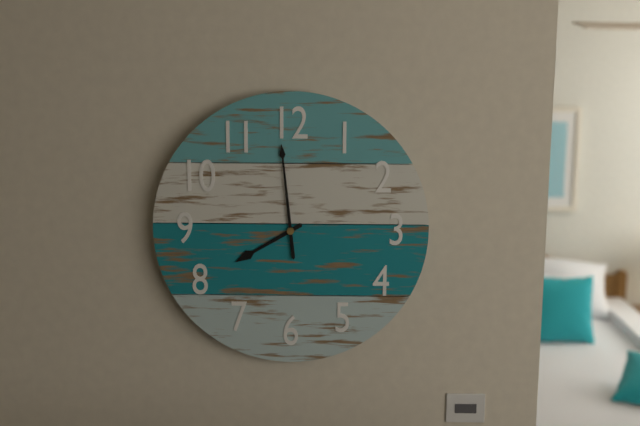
7:59
